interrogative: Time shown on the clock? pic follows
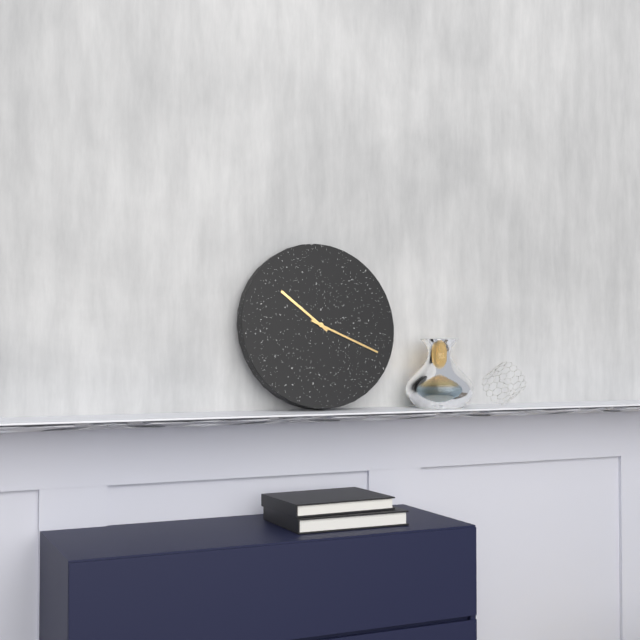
10:19
